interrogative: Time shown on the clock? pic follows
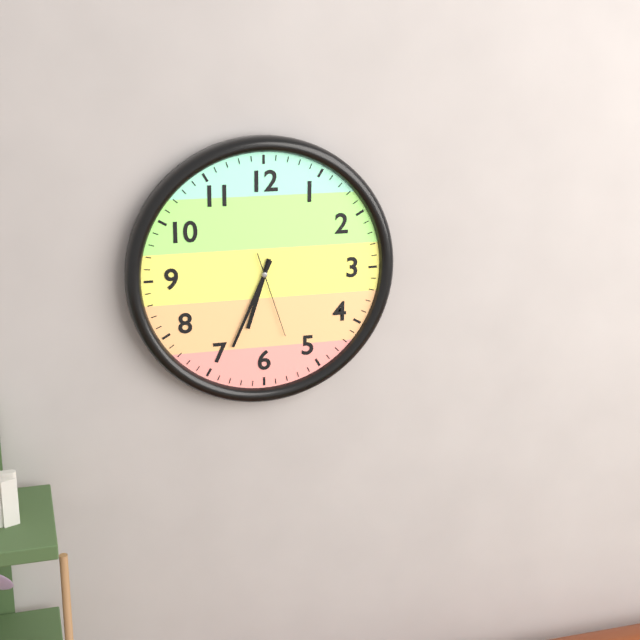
6:34:27
